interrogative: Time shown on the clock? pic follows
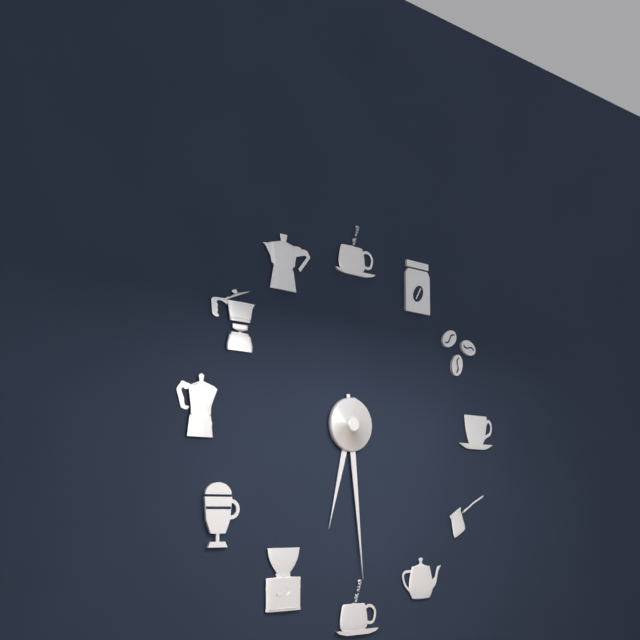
6:29
